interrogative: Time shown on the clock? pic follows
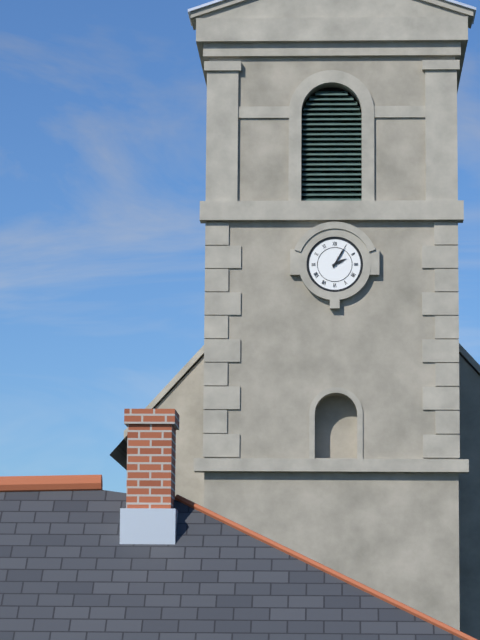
2:05
